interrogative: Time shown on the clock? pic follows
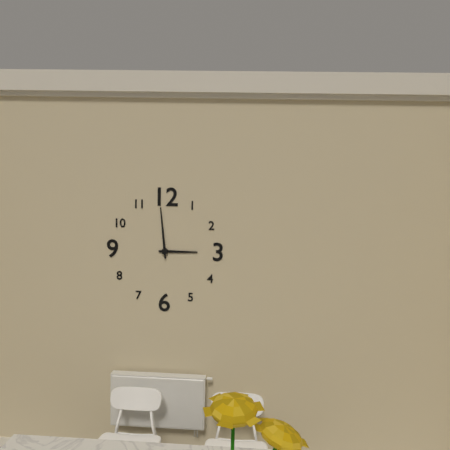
2:59
